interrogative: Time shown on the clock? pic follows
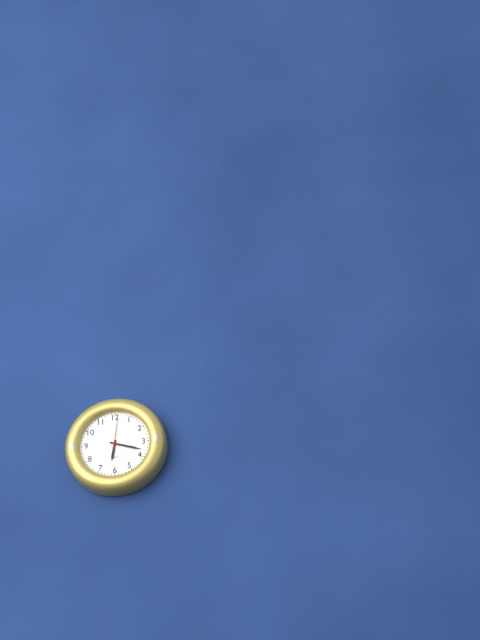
6:18
